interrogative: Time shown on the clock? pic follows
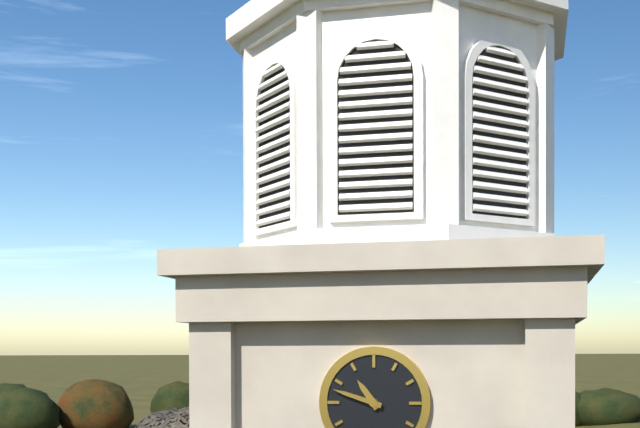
10:48
